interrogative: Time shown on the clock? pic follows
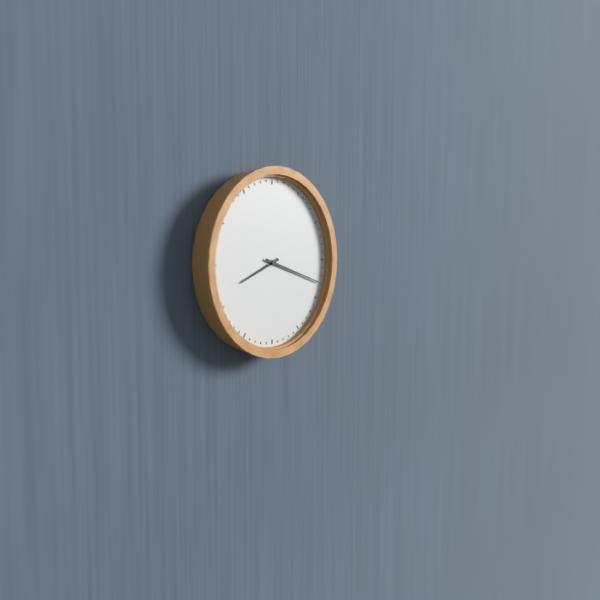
8:18
